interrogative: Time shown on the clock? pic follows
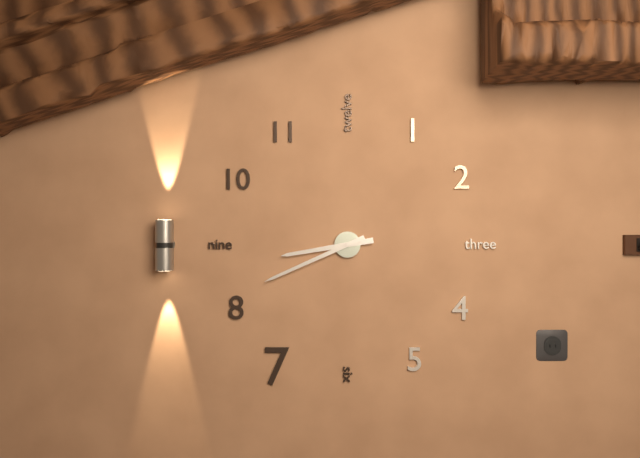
8:41
